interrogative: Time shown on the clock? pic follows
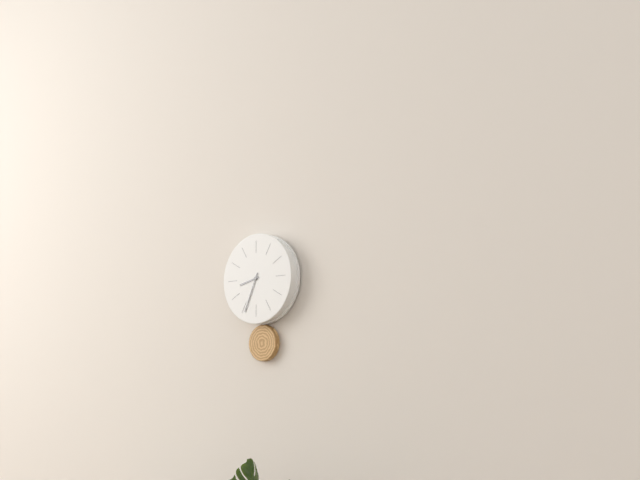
8:34
